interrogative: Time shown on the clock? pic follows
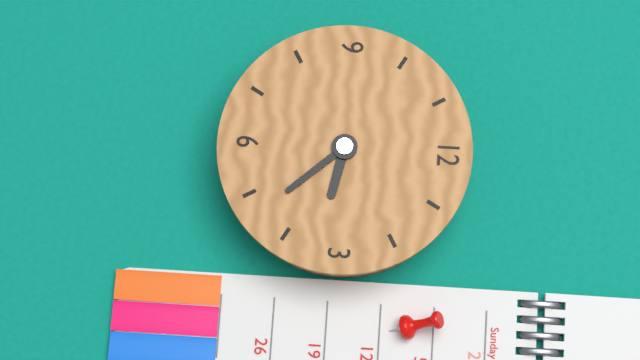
3:23
